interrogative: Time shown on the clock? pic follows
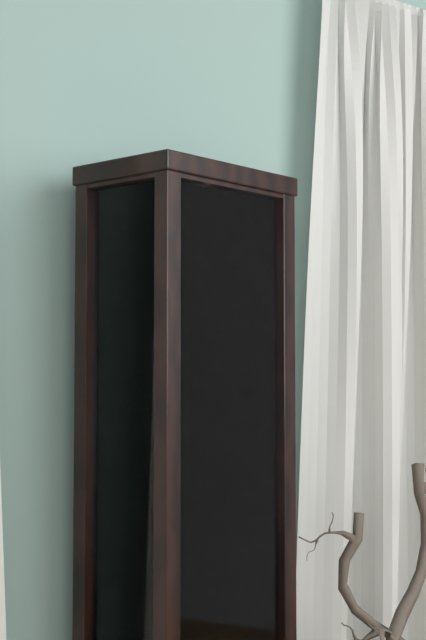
6:54
